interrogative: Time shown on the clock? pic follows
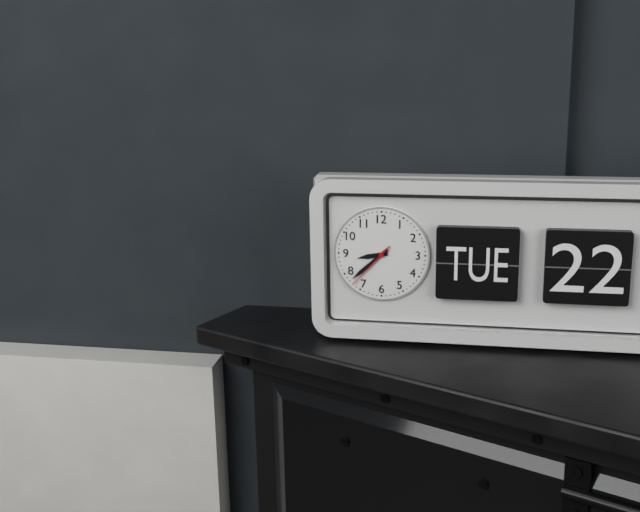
8:38:37
